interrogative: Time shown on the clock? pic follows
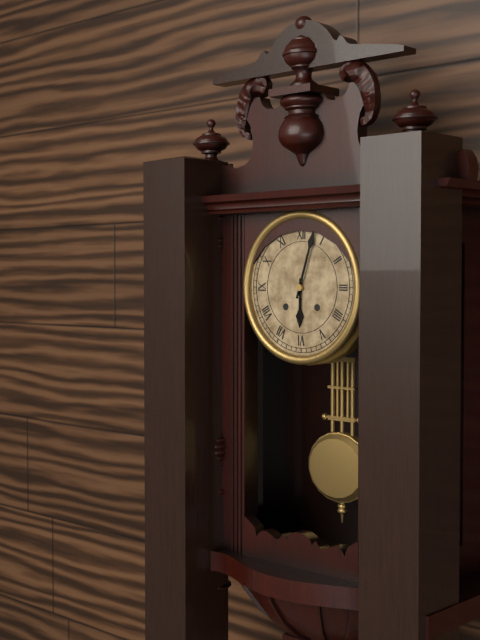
6:03
